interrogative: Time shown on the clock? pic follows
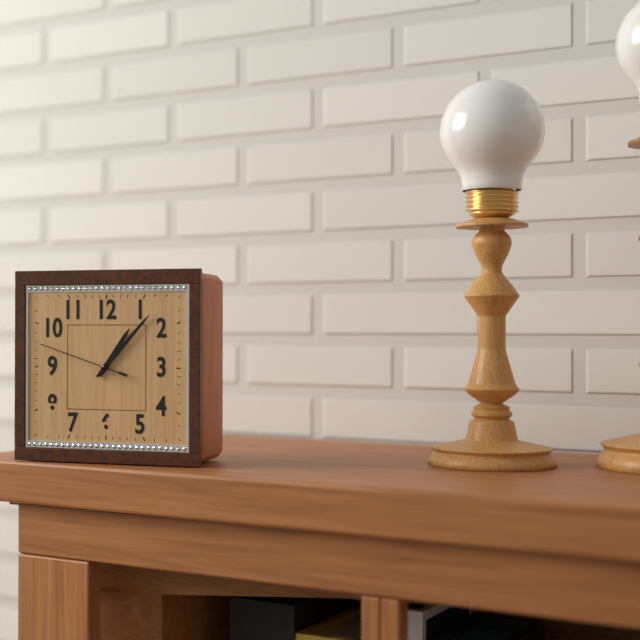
1:07:48
